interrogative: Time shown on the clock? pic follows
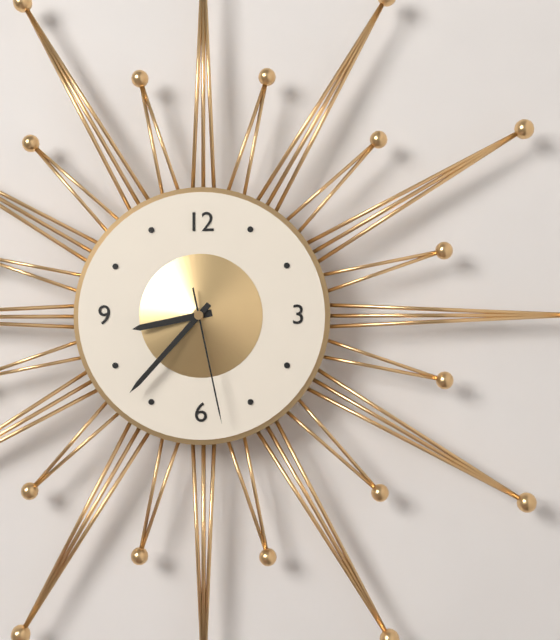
8:37:28
